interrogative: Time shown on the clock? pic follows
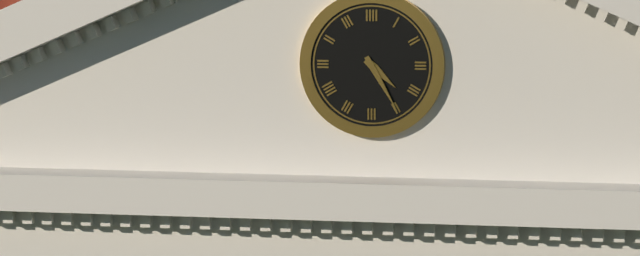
4:25
